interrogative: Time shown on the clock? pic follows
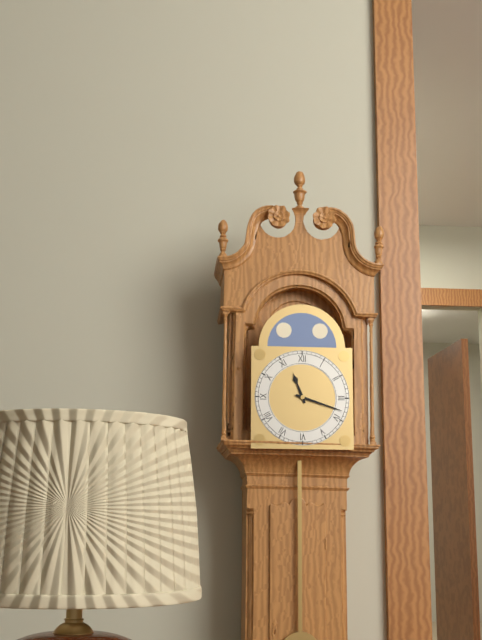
11:18
